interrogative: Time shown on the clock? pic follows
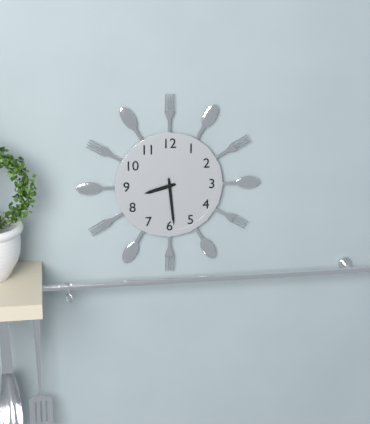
8:29
